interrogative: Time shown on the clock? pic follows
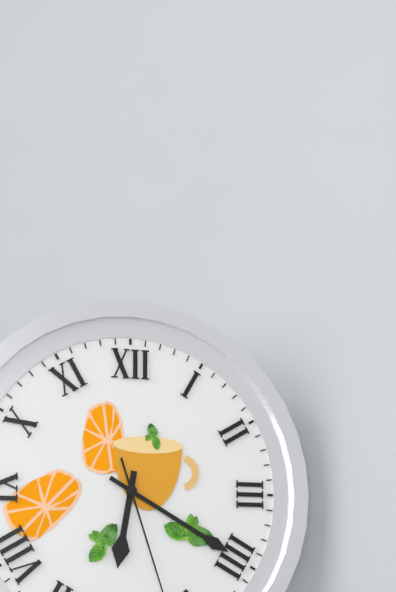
6:20
